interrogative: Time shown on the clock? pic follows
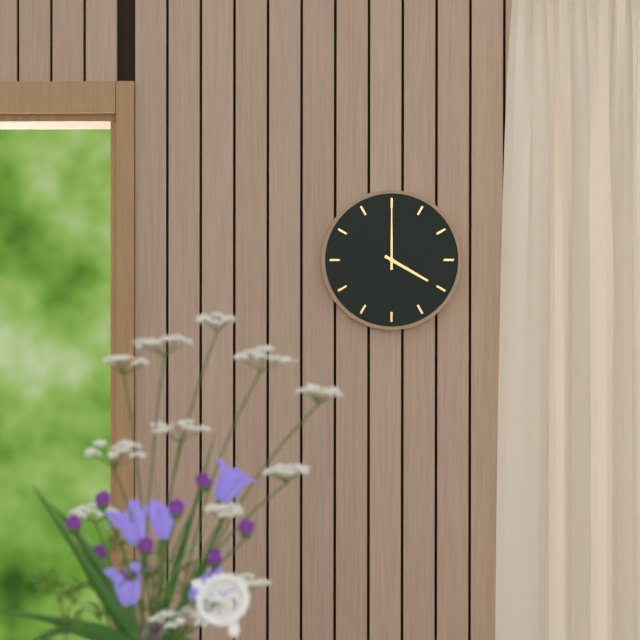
4:00
